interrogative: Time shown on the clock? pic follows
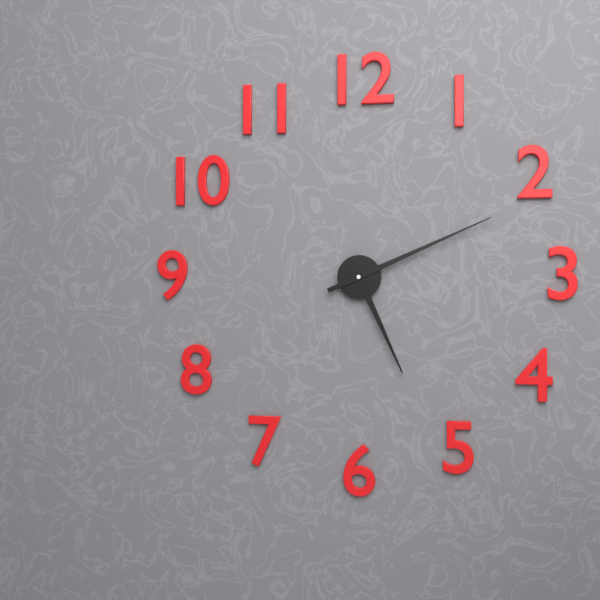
5:11
